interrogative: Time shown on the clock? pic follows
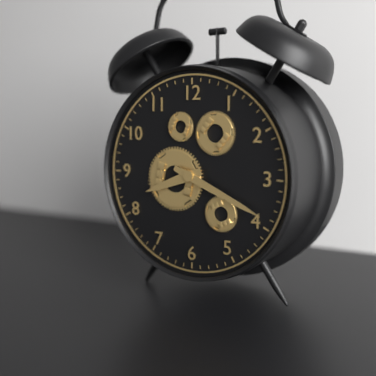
8:19
